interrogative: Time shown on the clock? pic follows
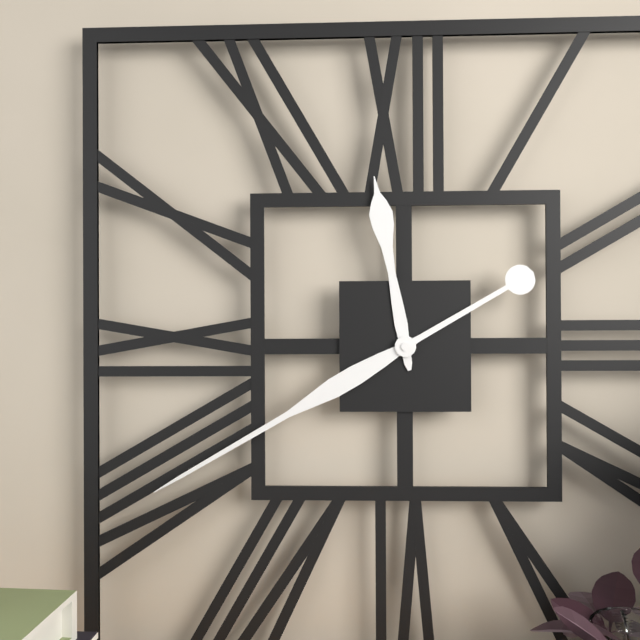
11:40
